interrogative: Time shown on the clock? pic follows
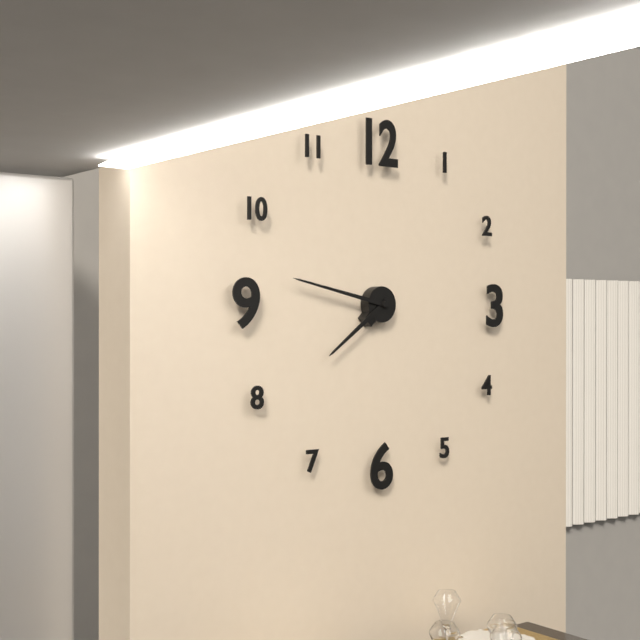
7:47
